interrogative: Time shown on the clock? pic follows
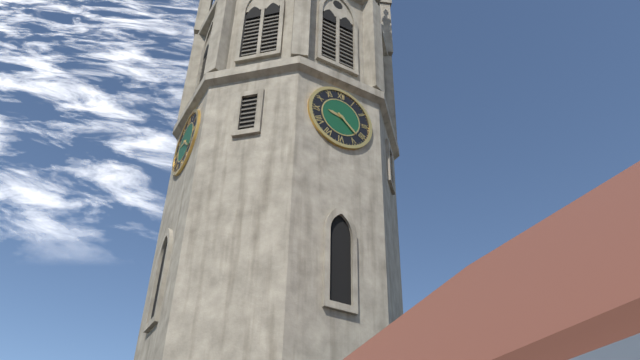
9:22
